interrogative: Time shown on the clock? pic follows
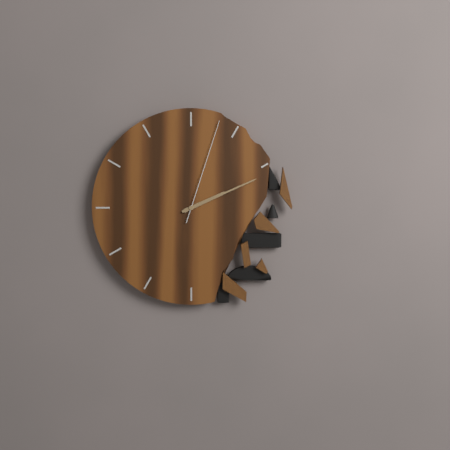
2:11:03
